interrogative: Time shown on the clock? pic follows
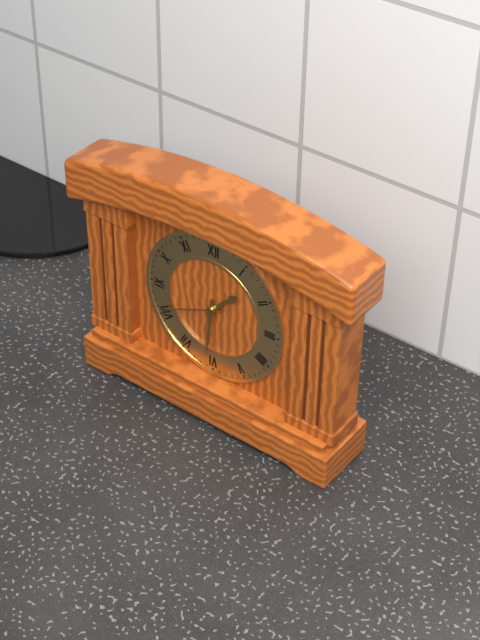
1:31:41
